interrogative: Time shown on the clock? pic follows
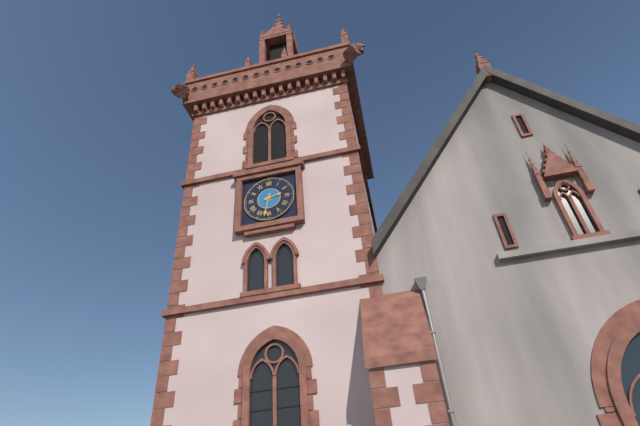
2:32
